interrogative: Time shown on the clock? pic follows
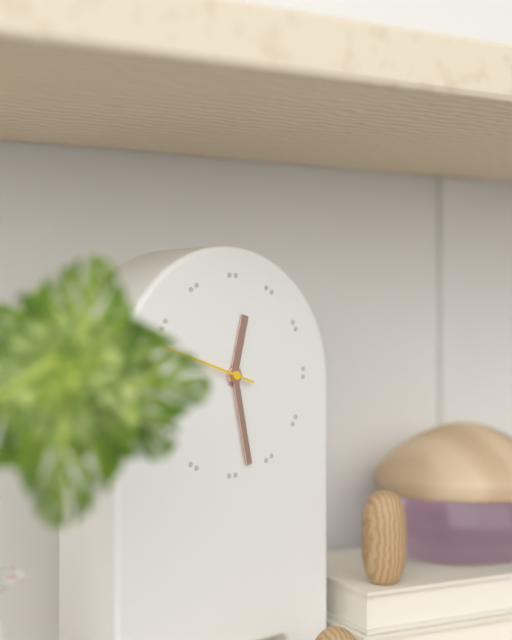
12:28:48
